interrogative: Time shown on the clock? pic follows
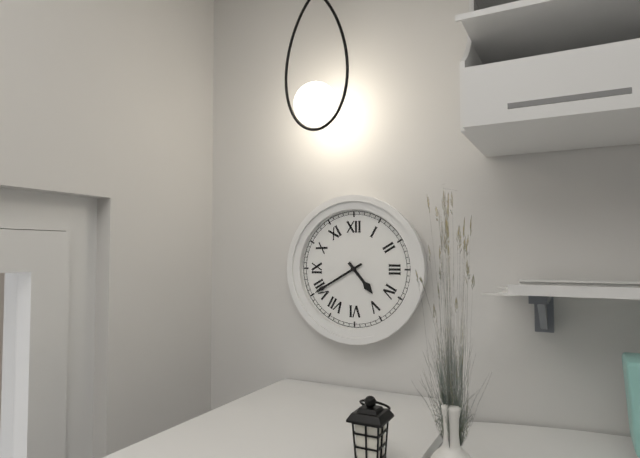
4:40
